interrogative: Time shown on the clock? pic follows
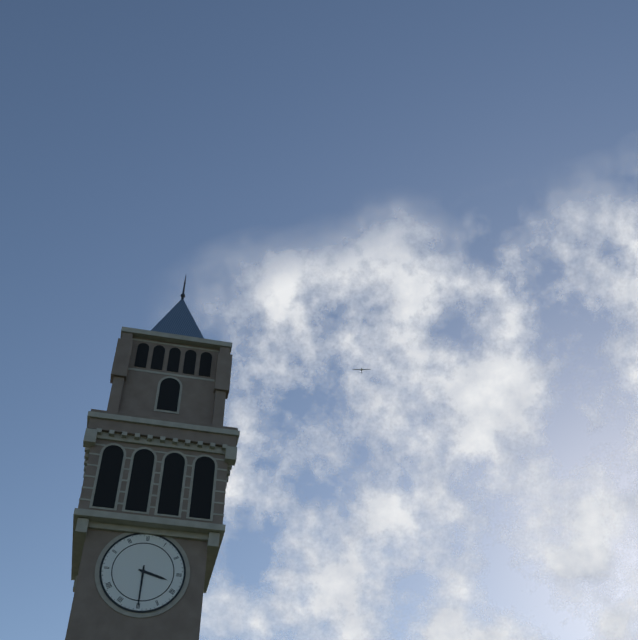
3:30
